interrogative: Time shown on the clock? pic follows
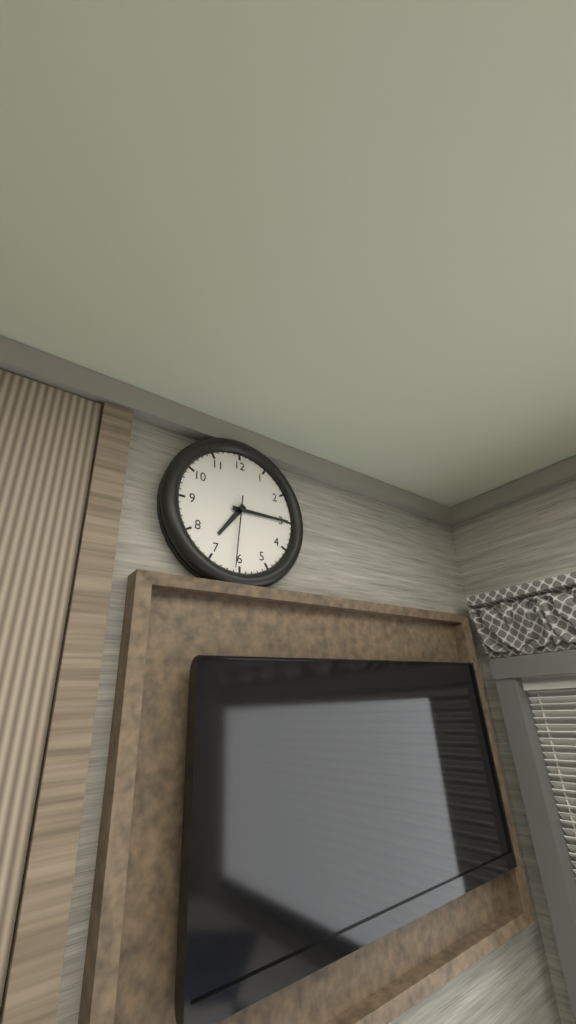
7:15:31
